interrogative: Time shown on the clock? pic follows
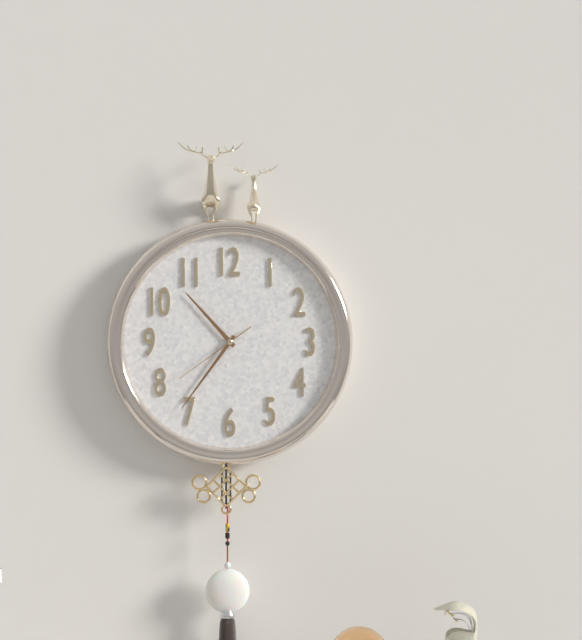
10:36:39
